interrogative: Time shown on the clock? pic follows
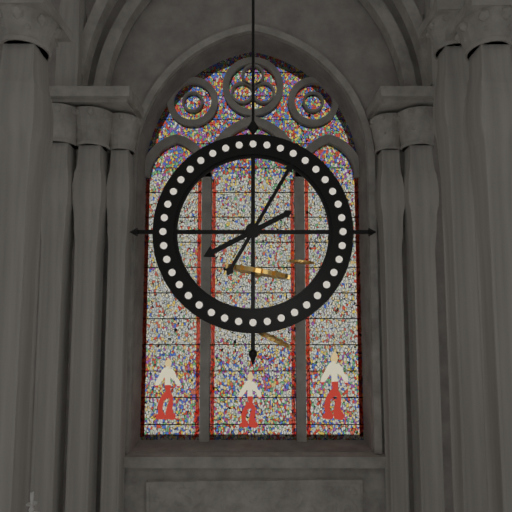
8:05
